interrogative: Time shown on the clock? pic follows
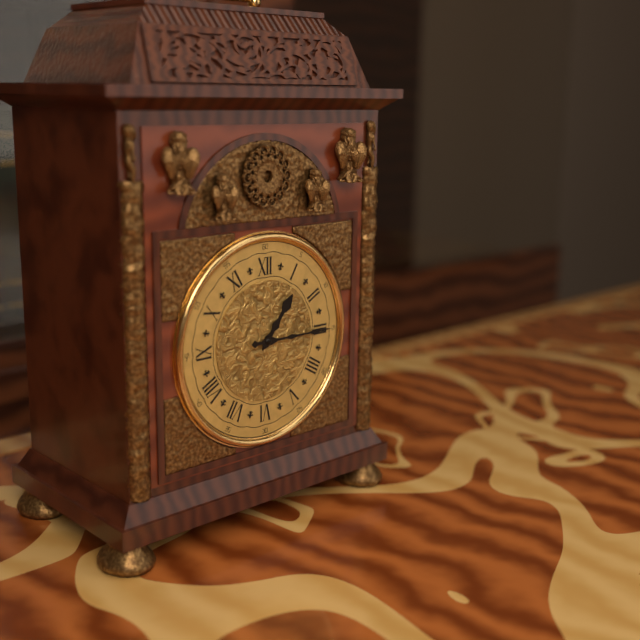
1:15
